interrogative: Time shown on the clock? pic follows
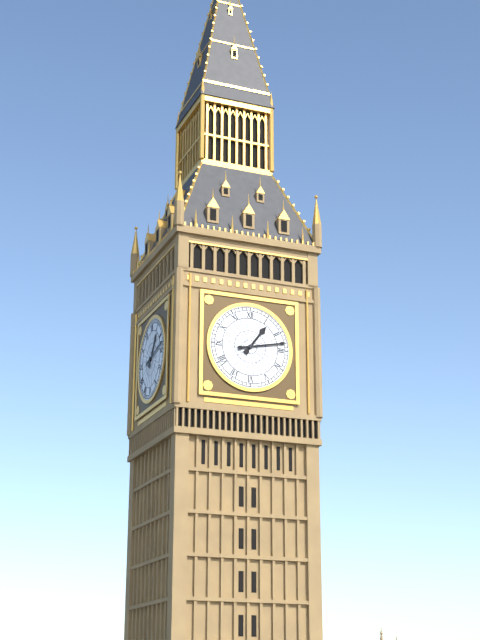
1:13
